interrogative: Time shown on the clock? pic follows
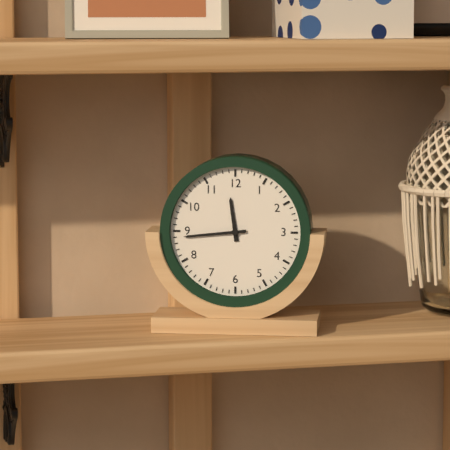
11:44
